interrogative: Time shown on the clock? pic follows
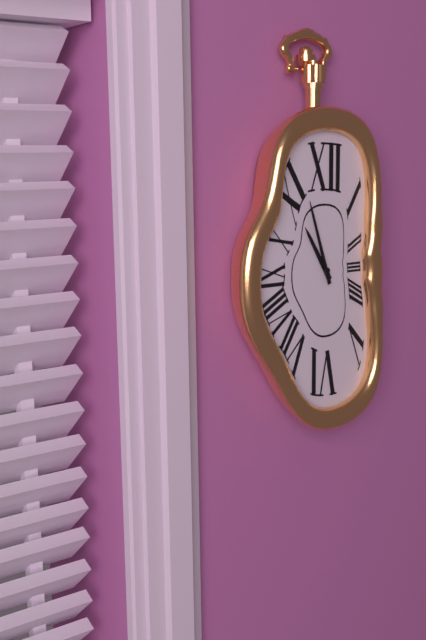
10:57
